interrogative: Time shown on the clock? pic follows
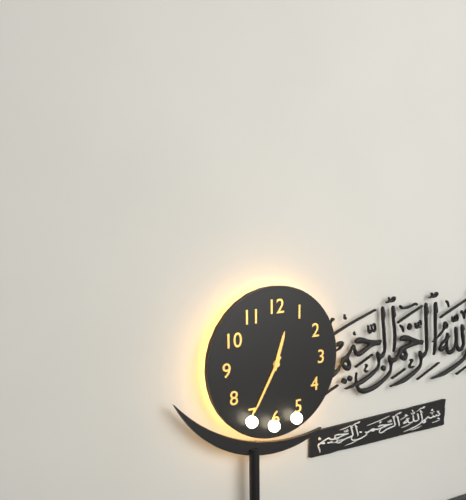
12:35
